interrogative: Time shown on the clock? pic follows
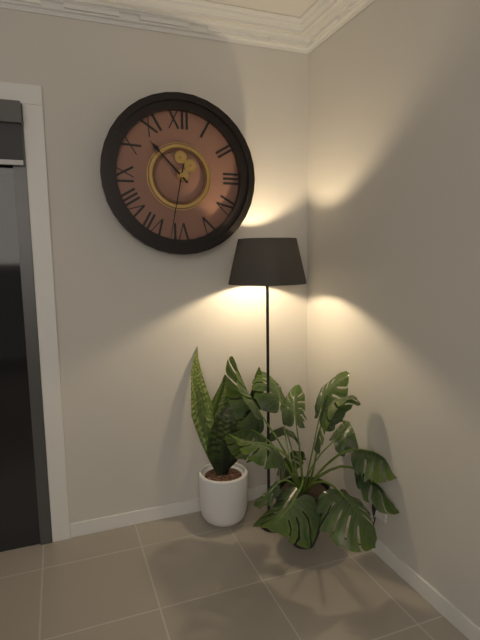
10:32
